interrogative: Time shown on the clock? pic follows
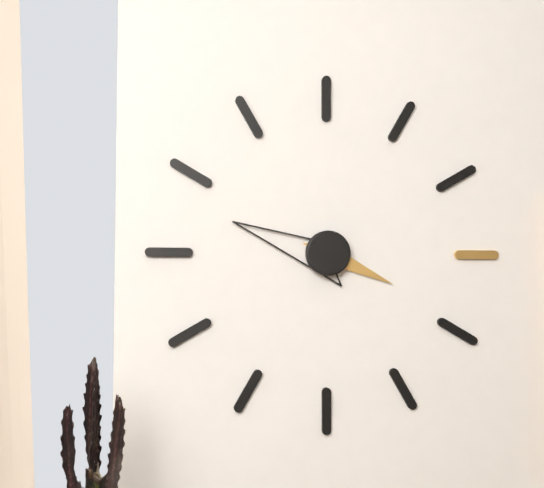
3:48
